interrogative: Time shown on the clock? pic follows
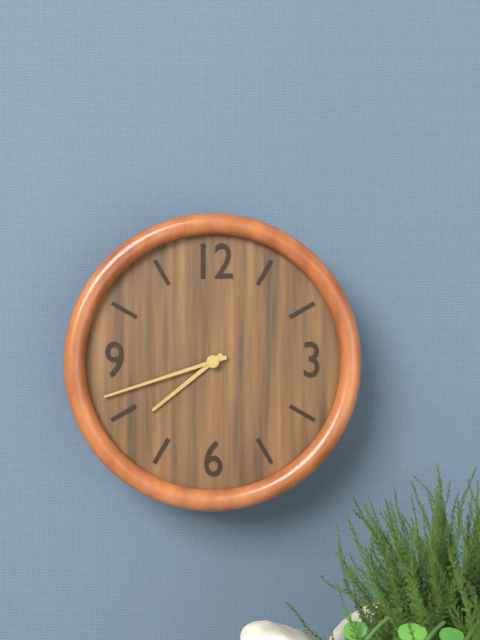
7:42
